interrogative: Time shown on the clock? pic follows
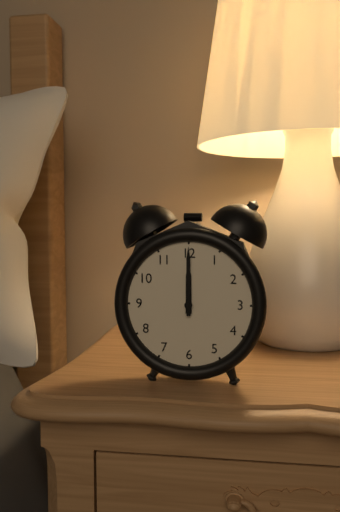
12:00
